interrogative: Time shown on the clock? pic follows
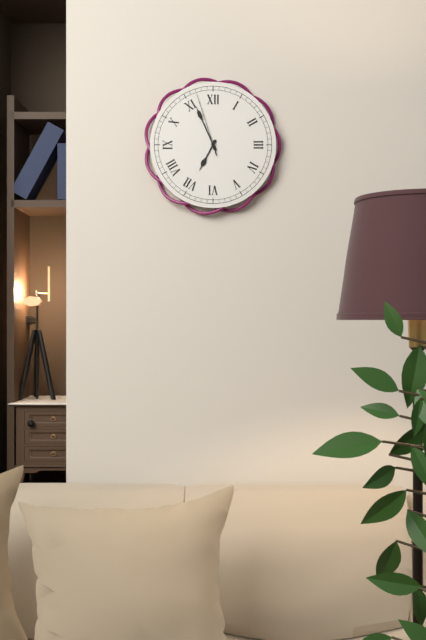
6:56:57
